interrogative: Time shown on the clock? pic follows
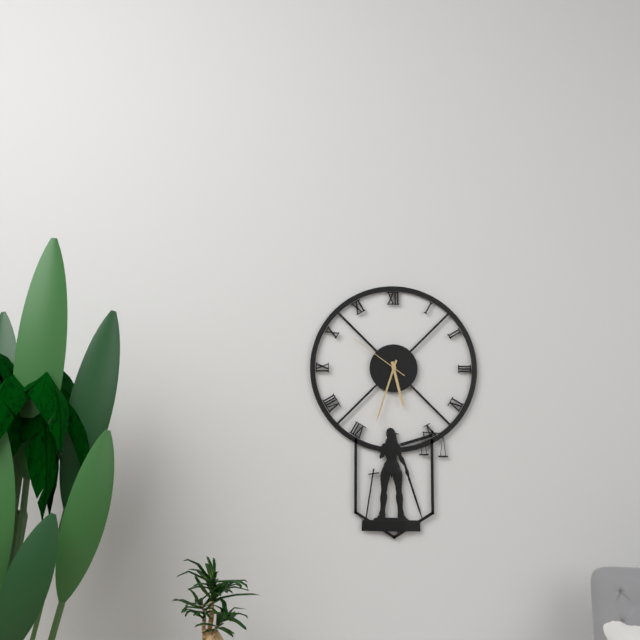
5:33:51
